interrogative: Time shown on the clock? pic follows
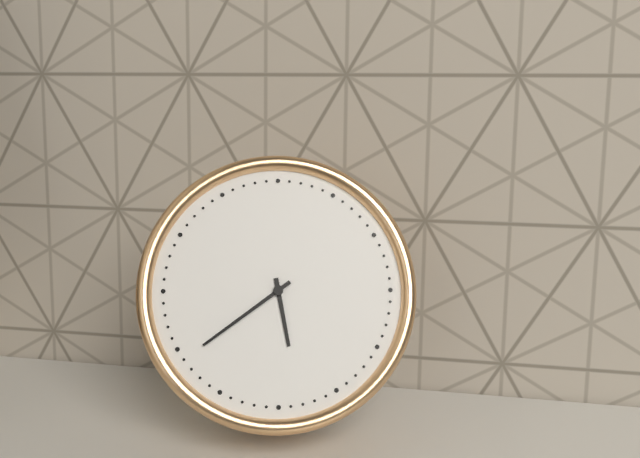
5:39
